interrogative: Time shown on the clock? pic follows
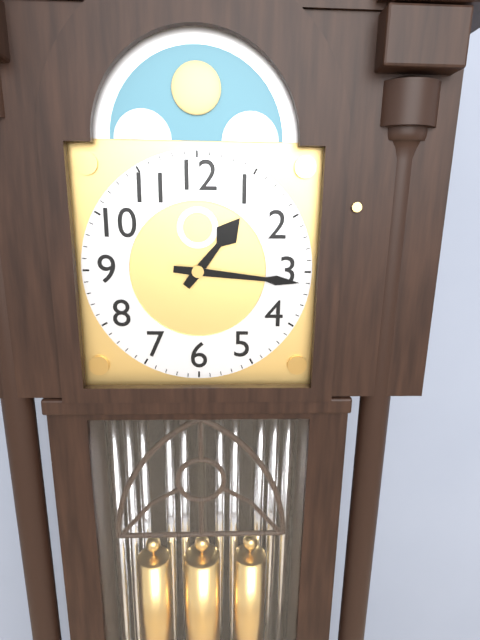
1:16
